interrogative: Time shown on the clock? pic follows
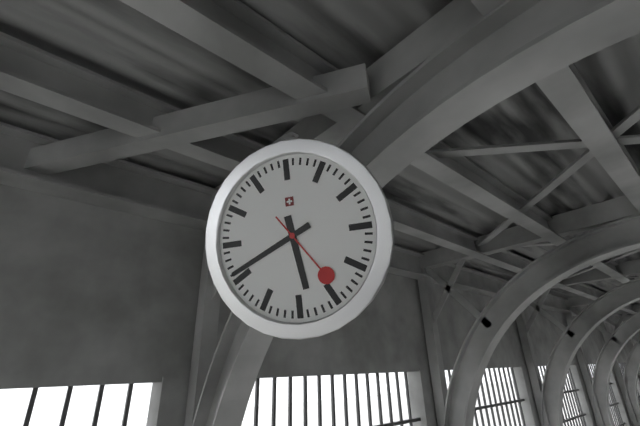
5:41:24
